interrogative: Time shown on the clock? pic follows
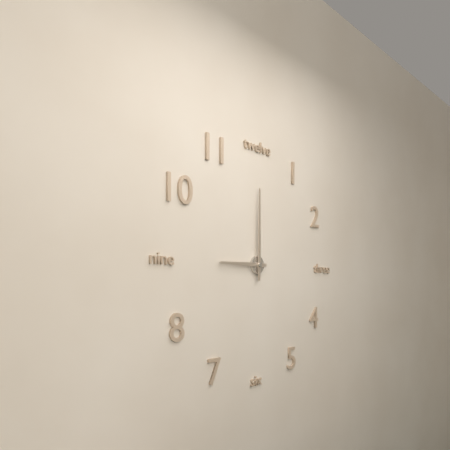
9:00
